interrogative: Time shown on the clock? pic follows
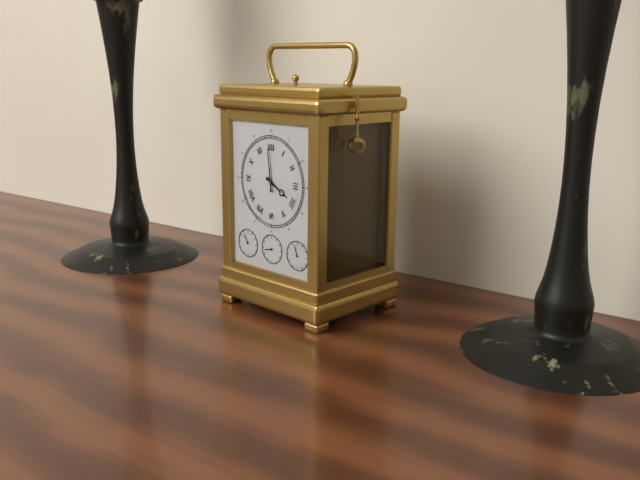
3:59
